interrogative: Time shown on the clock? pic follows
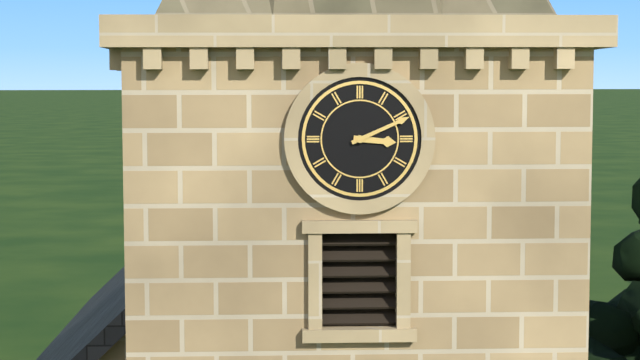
3:11
